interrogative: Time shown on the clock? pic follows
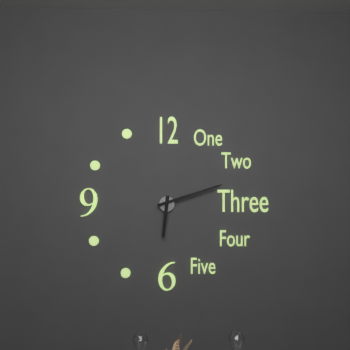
6:12
